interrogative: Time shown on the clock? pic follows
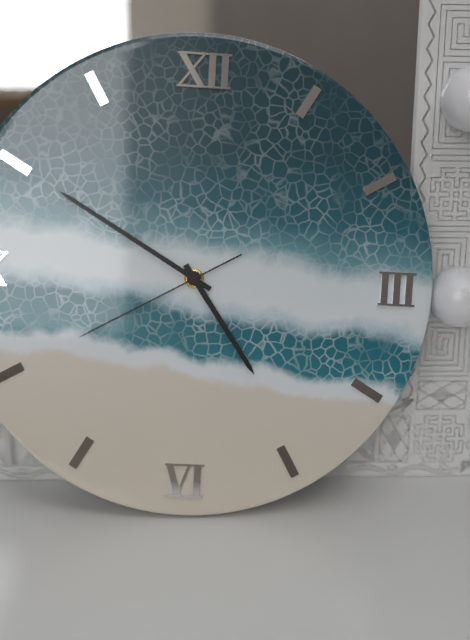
4:50:40
